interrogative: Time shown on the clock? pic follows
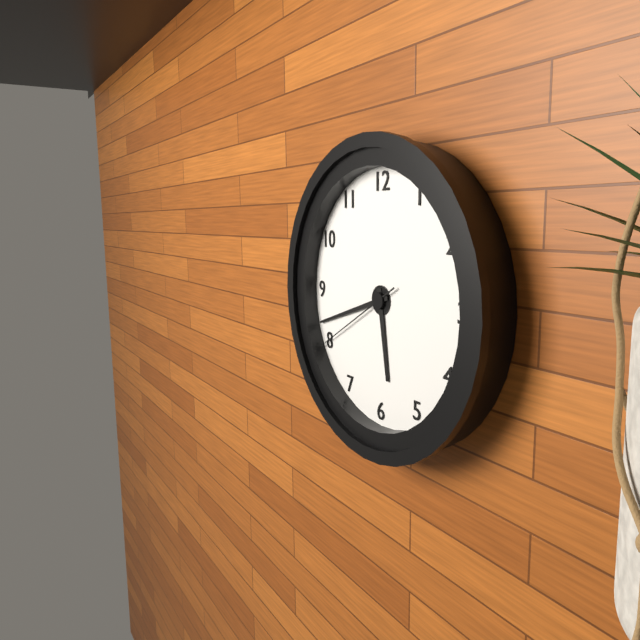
5:42:40
